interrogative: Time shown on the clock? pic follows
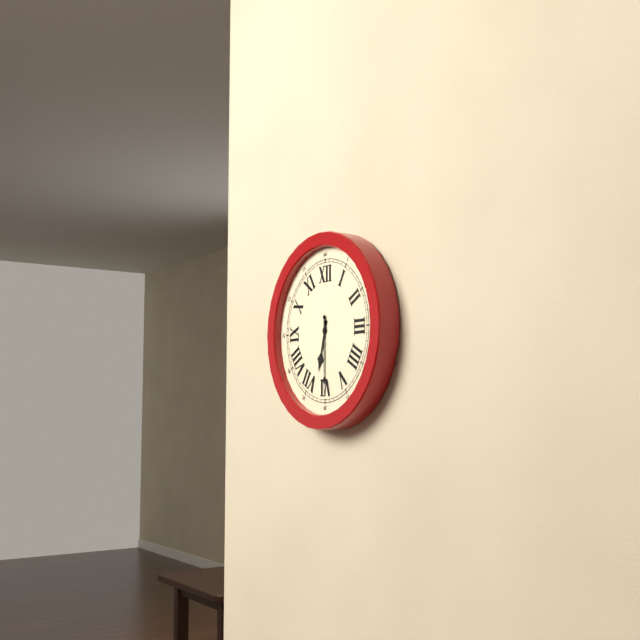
6:30
